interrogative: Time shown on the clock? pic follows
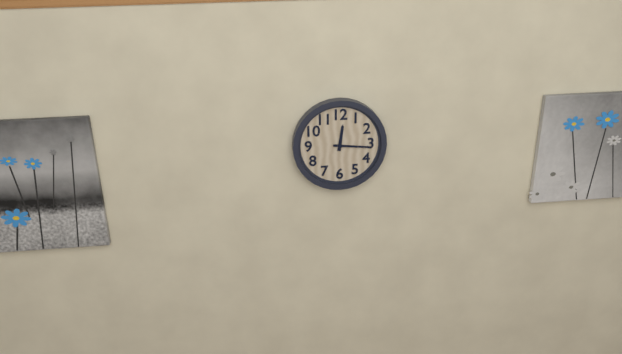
12:16
